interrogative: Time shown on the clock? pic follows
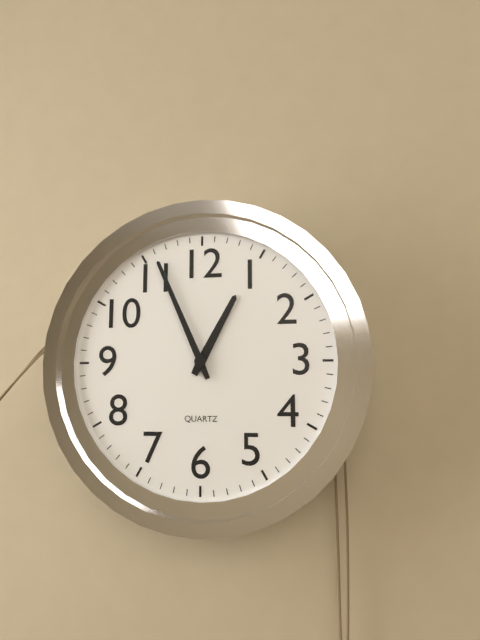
12:56
